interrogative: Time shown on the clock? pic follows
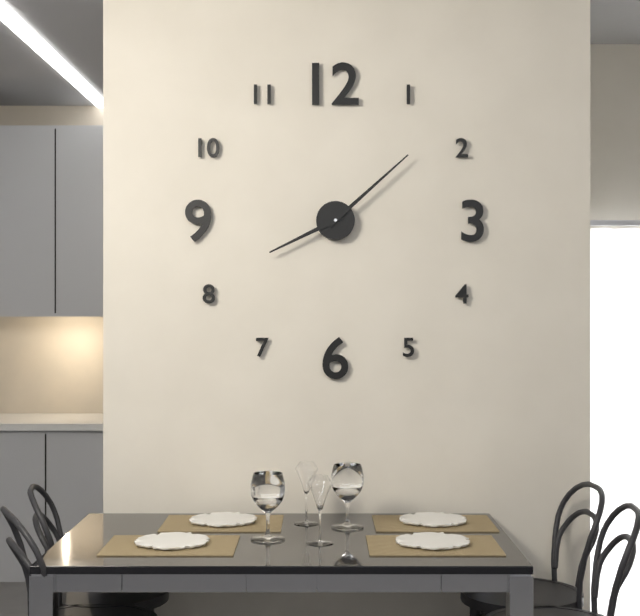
8:08
